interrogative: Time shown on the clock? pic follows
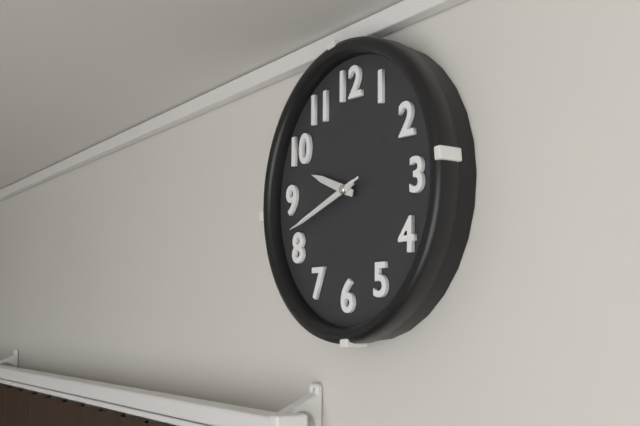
9:42:42
